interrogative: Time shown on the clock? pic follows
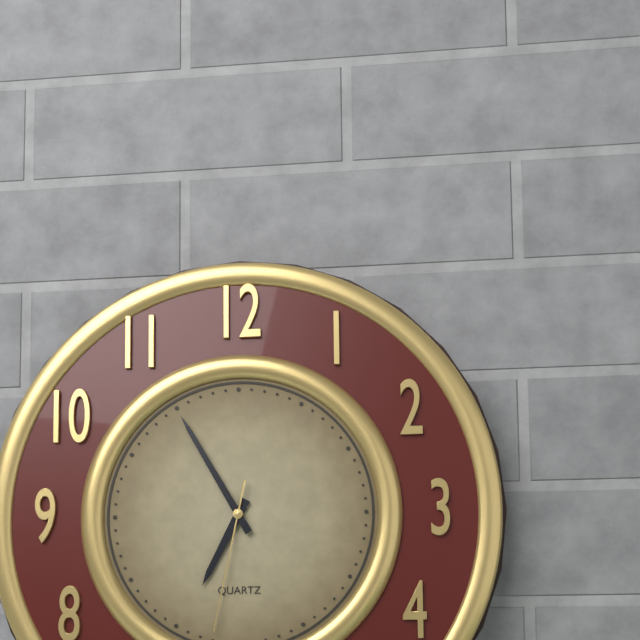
6:55:32
